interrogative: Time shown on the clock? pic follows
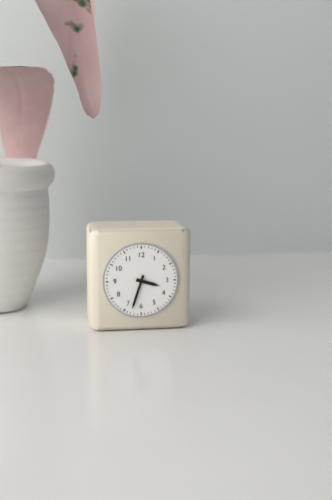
3:33
